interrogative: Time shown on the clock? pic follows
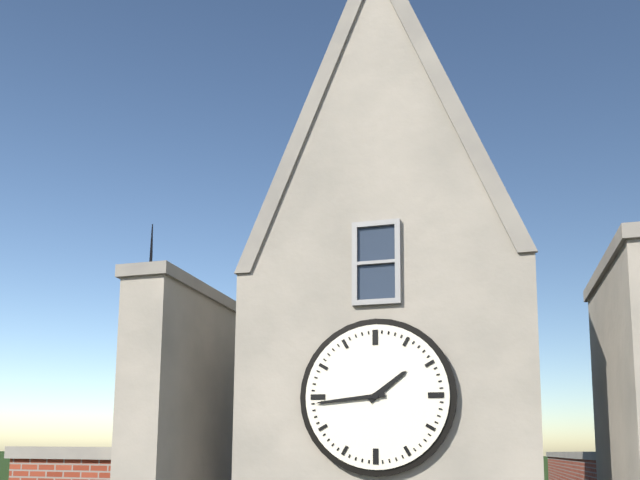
1:44
